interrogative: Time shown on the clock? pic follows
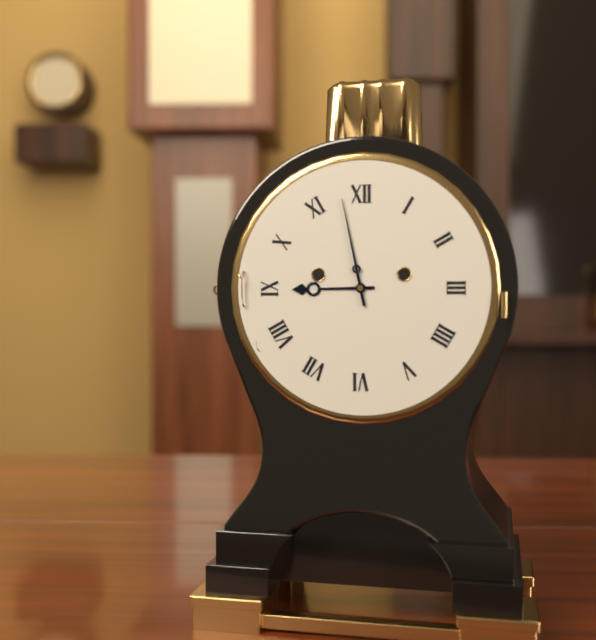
8:58
